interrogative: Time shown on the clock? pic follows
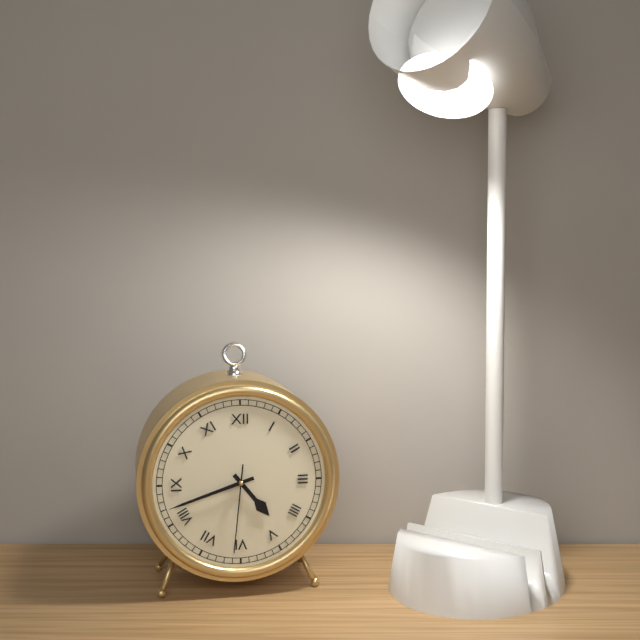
4:42:31
